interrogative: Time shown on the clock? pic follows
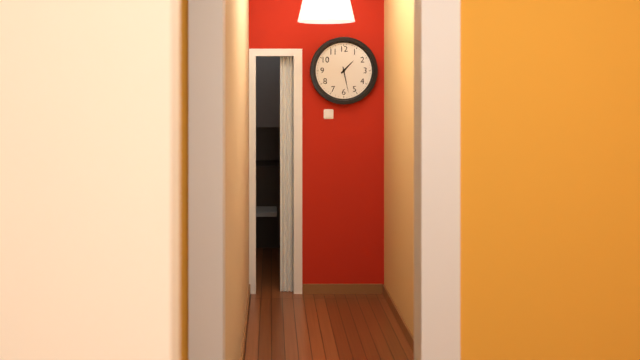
1:28
